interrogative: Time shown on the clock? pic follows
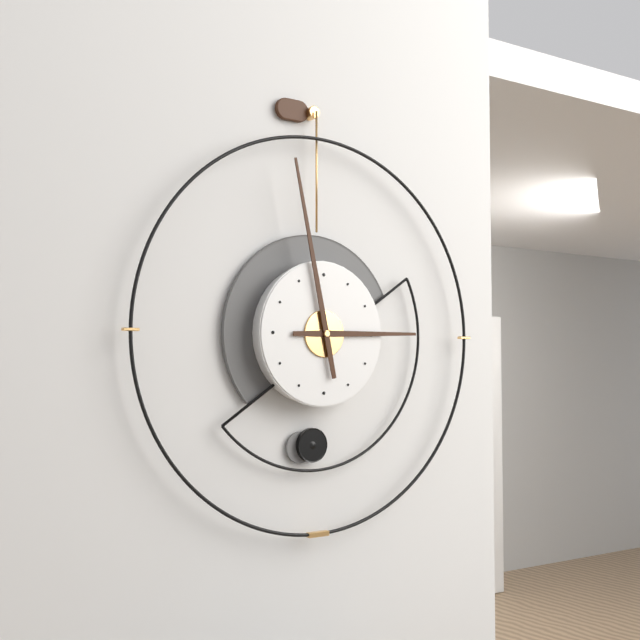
2:58
